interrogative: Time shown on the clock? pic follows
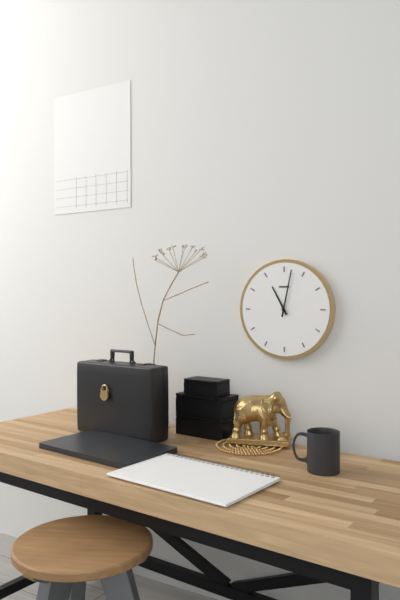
11:02
